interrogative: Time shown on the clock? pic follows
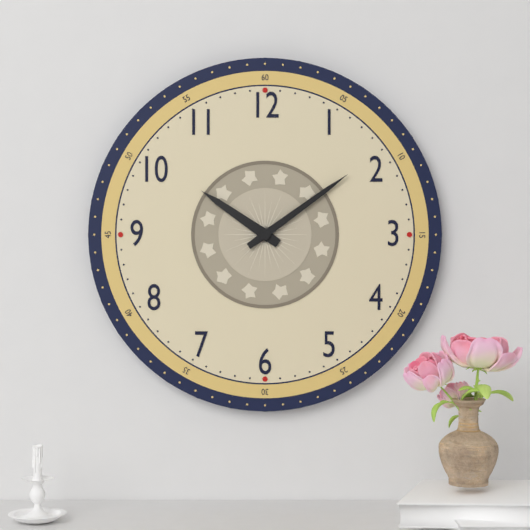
10:09
